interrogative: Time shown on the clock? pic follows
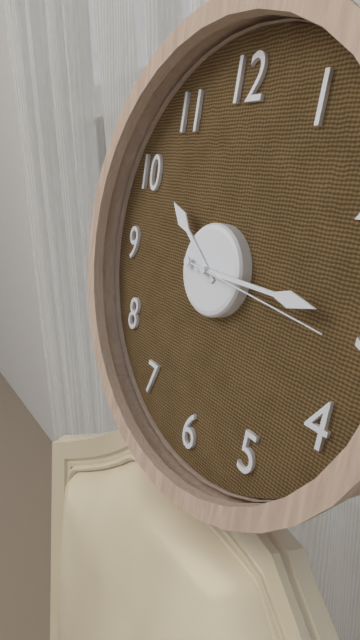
10:15:16
